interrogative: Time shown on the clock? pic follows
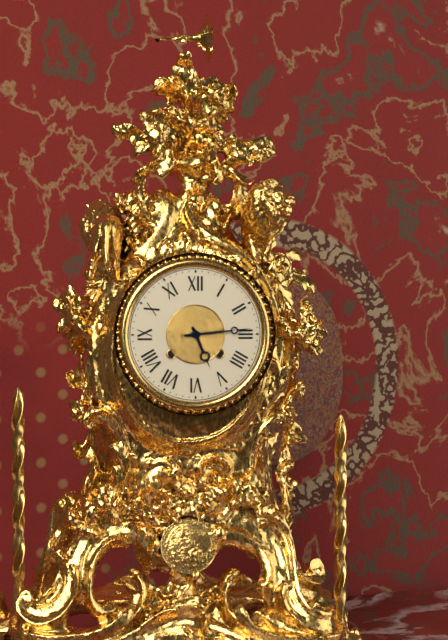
5:14
